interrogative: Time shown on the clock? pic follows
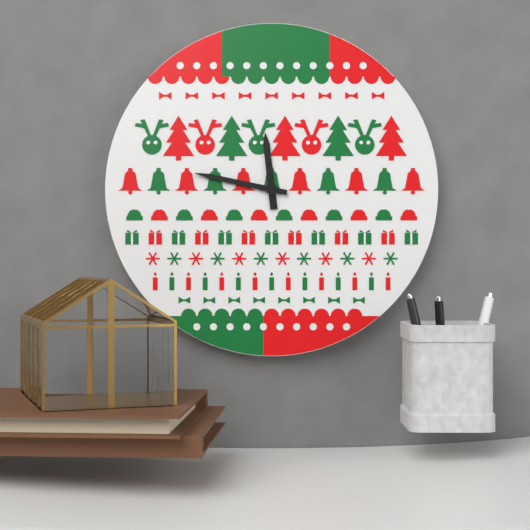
11:47
